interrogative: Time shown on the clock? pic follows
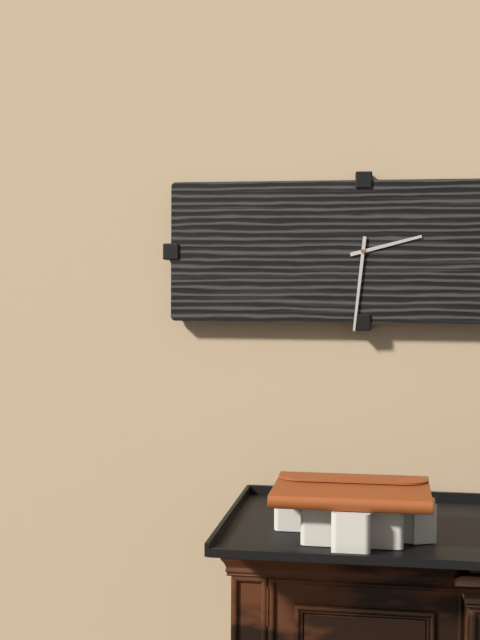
2:31
